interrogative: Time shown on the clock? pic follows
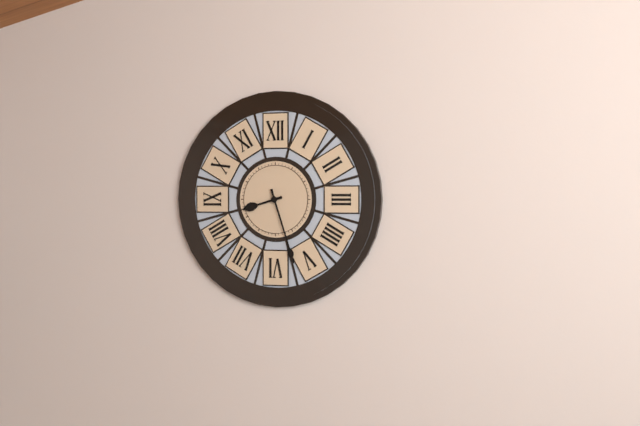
8:27
